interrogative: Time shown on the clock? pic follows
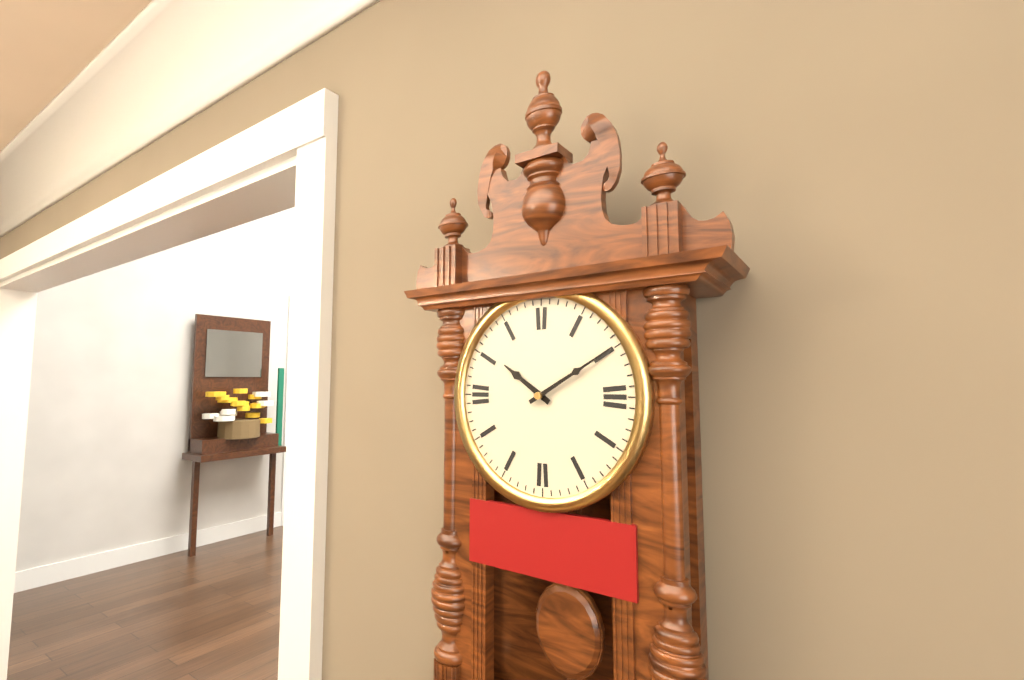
10:10
